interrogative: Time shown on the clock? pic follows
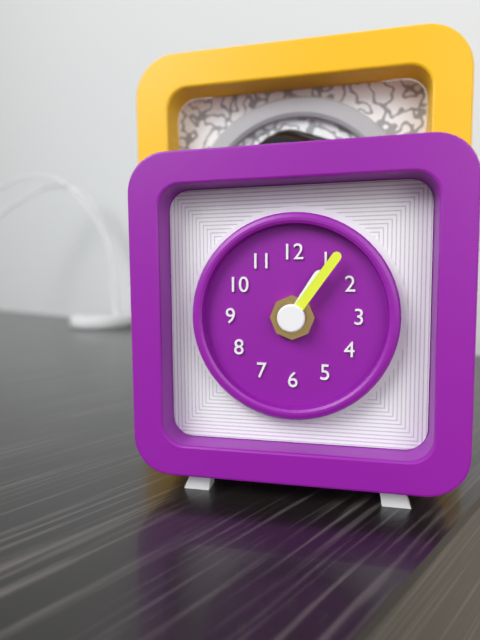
1:06
